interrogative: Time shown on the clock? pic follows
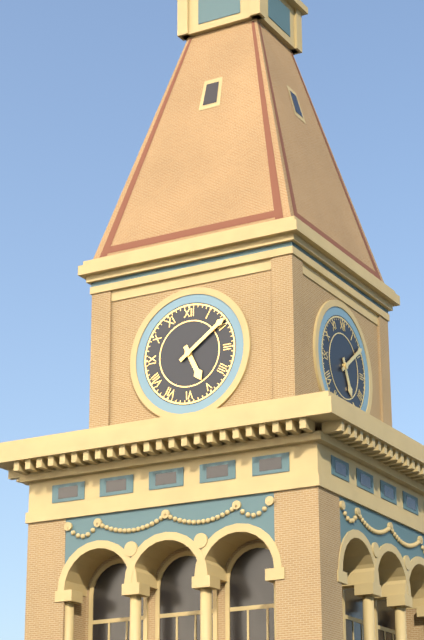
5:09
